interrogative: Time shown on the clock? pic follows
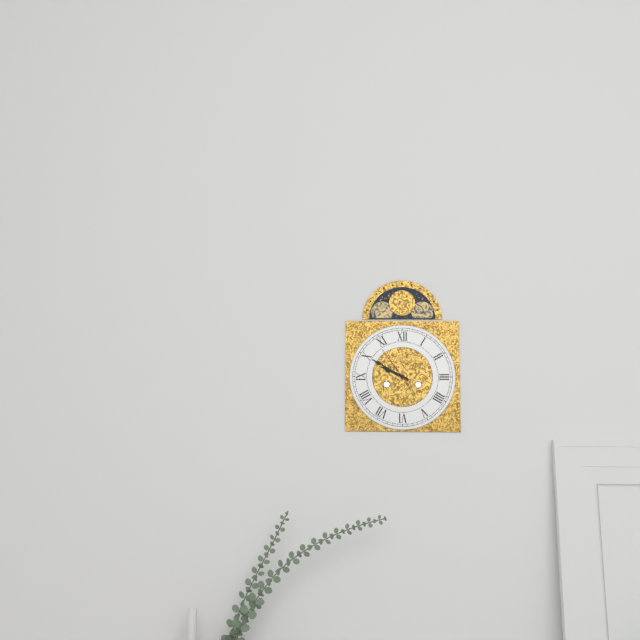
9:50
